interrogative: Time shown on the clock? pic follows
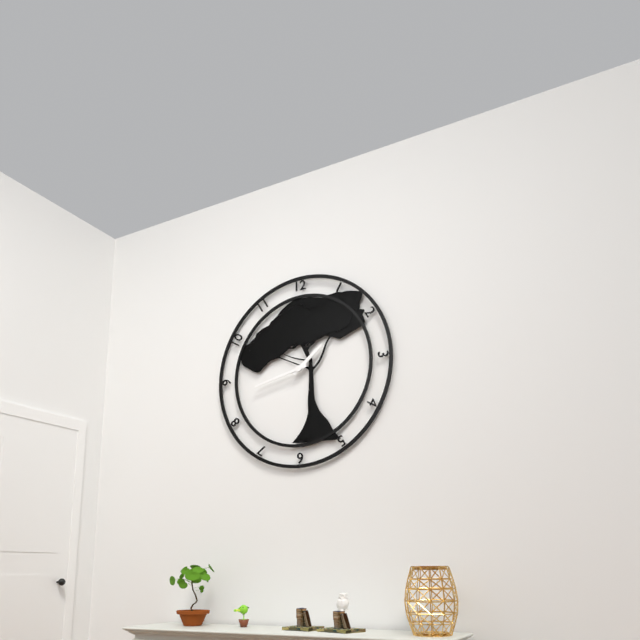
1:43
